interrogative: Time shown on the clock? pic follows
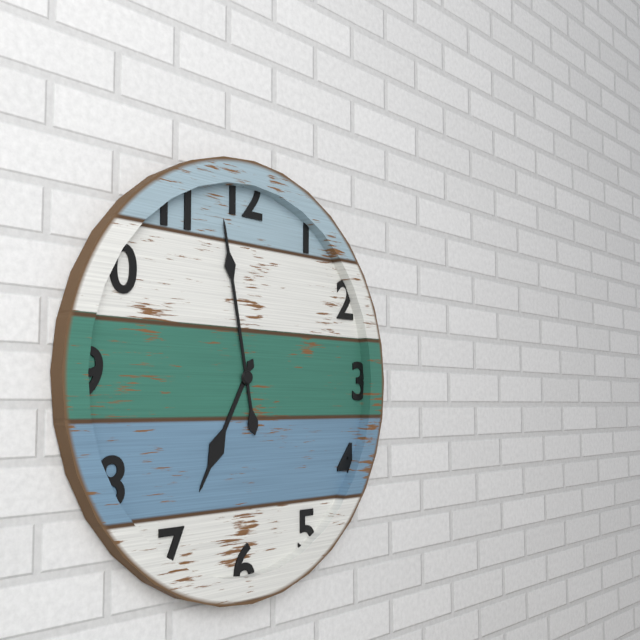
6:58
